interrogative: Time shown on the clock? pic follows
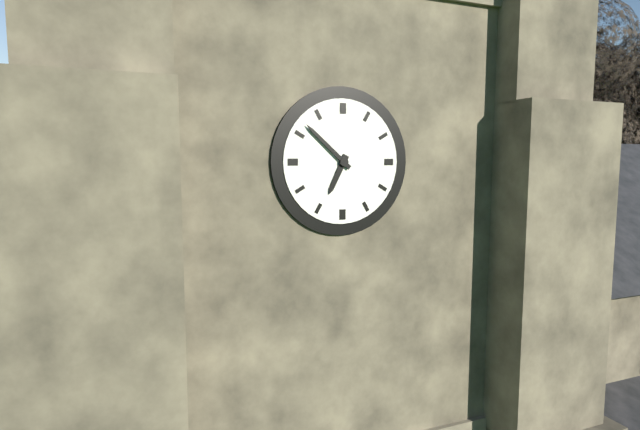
6:52
